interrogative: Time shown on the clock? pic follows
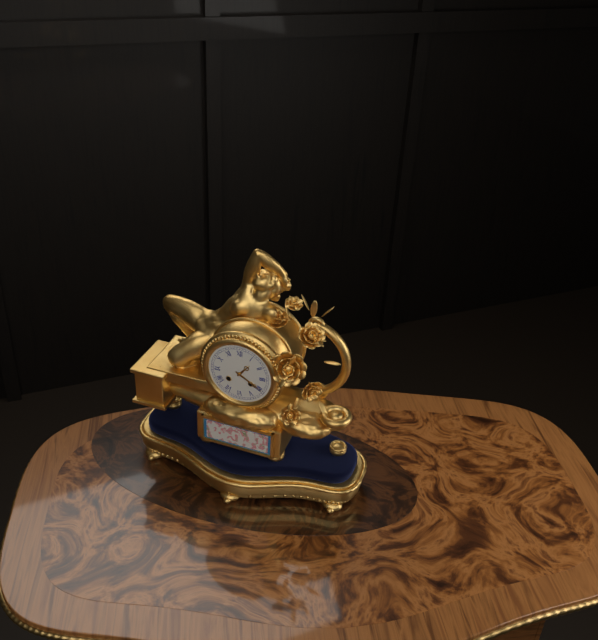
1:20
